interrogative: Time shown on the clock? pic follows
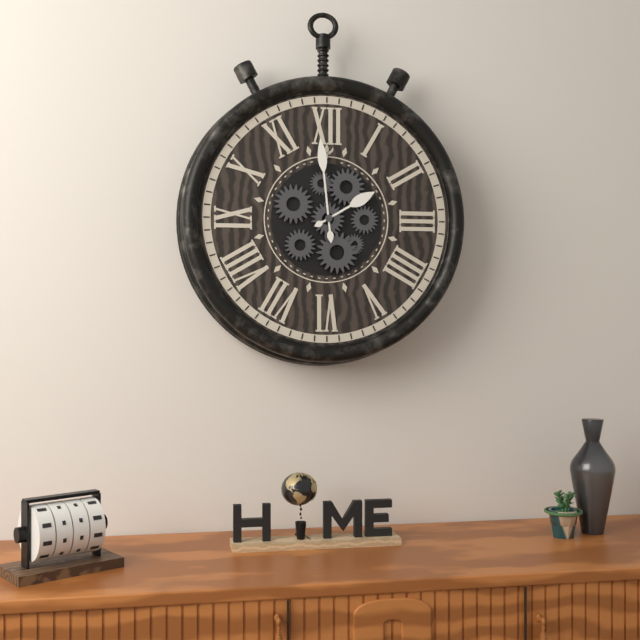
1:59
